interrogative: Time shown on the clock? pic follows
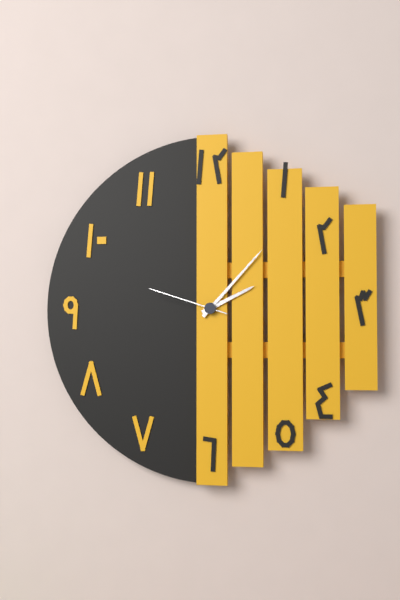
2:07:48
